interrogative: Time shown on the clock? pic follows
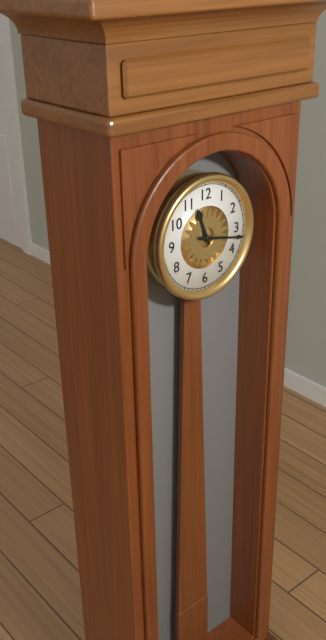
11:17
